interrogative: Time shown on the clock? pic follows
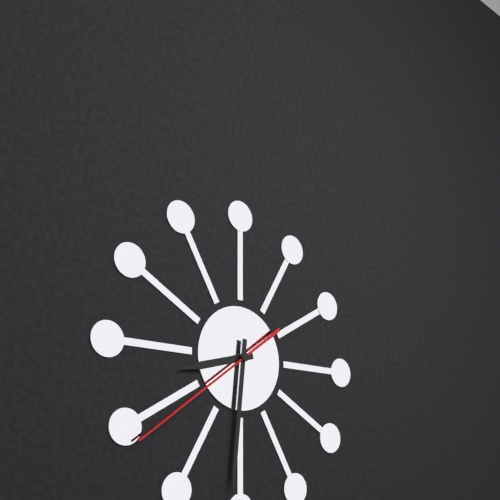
8:31:39
